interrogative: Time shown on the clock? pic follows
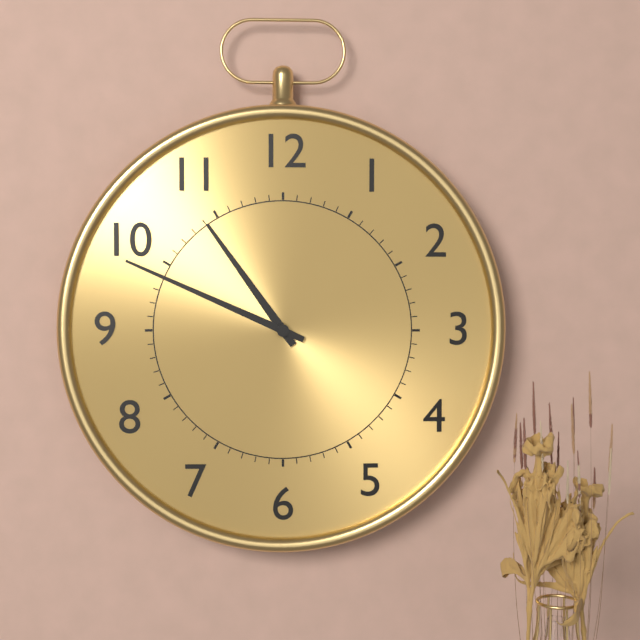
10:49
